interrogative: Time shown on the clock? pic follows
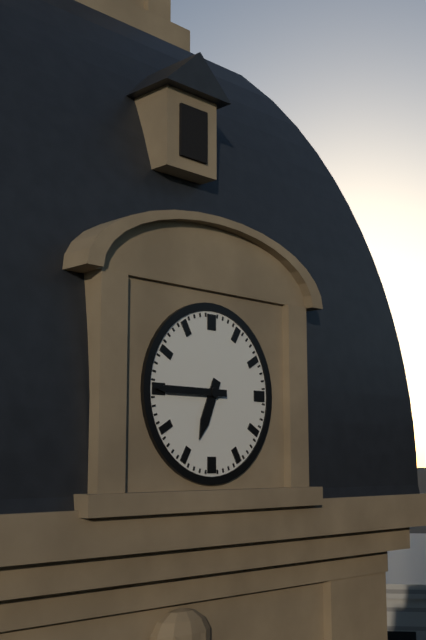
6:45
